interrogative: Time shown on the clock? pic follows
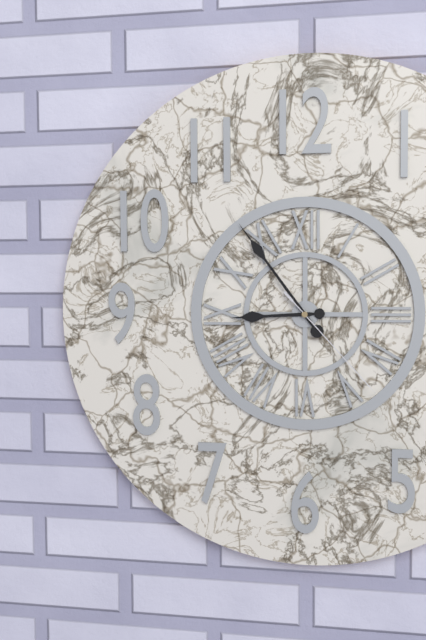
8:54:23
